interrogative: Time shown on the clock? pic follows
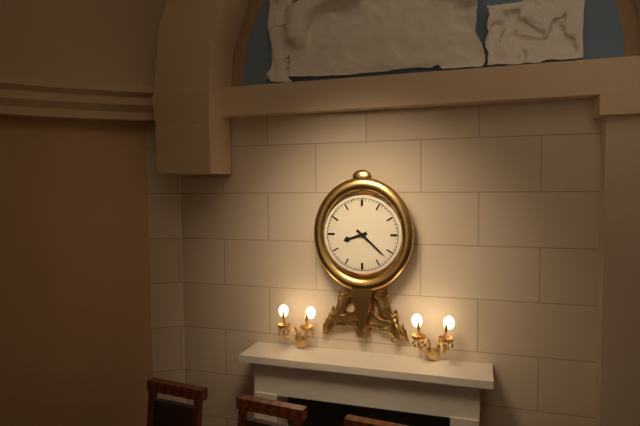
8:22
